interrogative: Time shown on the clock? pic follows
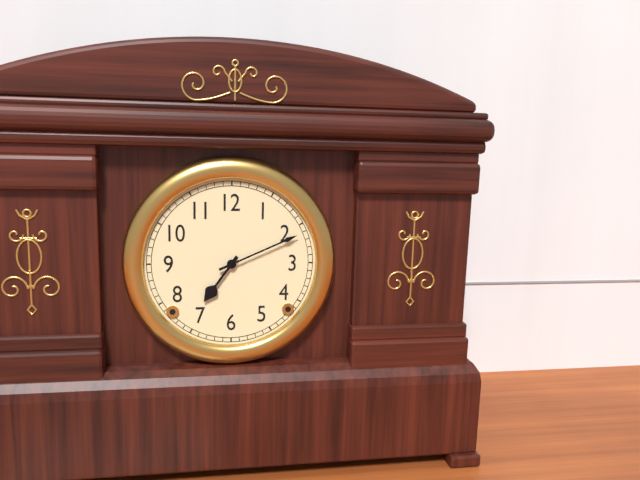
7:11
